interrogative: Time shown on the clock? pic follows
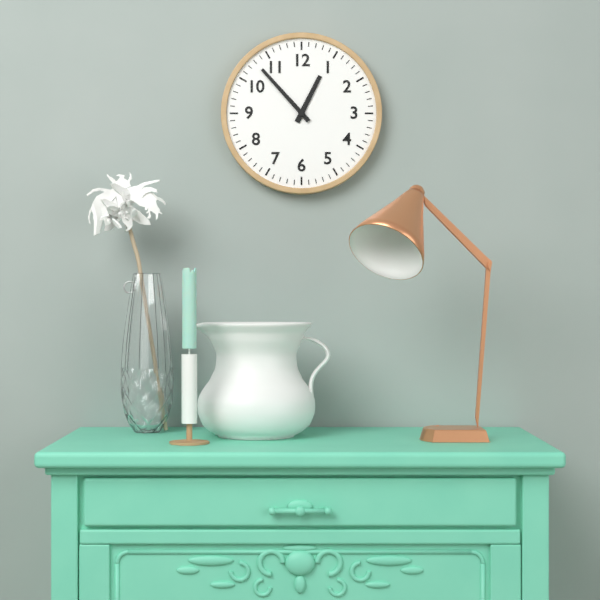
12:53
